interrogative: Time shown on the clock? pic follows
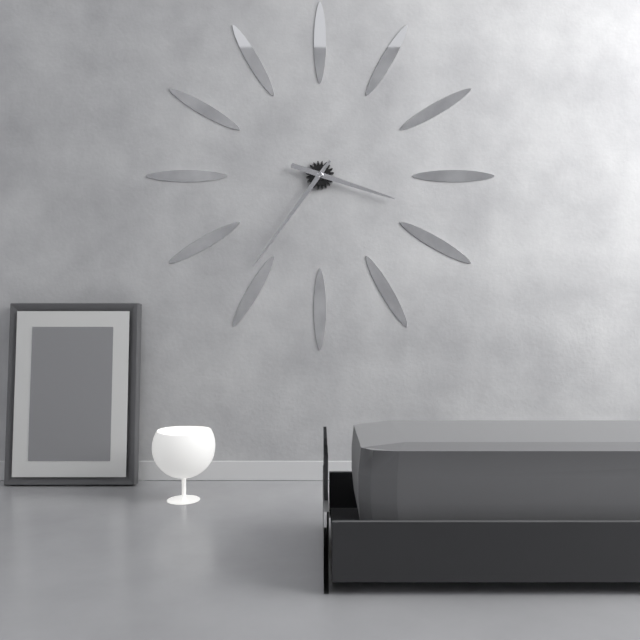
3:36
